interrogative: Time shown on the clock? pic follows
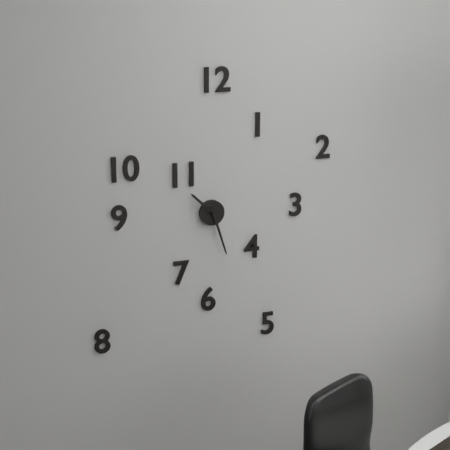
10:27
